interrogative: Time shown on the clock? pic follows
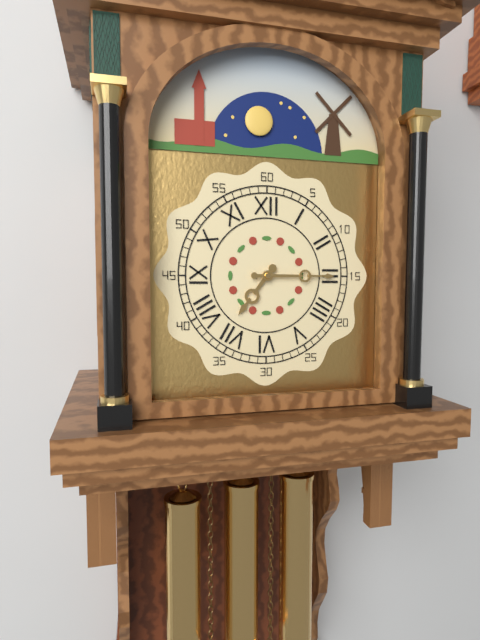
7:15
